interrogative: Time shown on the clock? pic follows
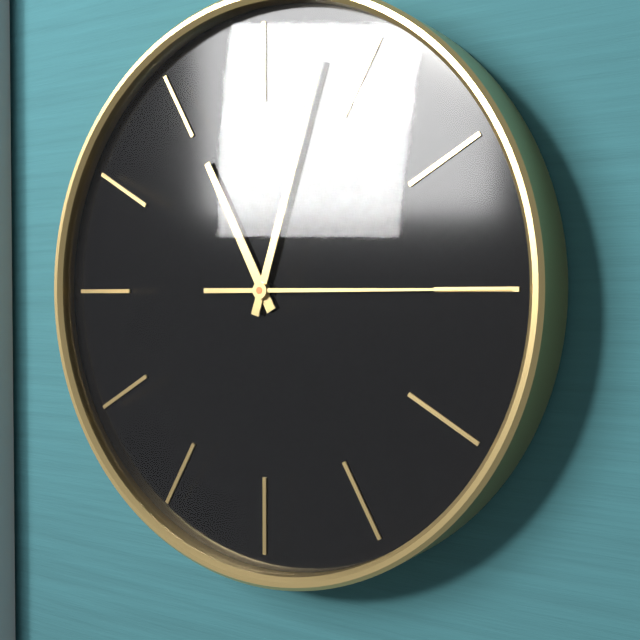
11:03:15
